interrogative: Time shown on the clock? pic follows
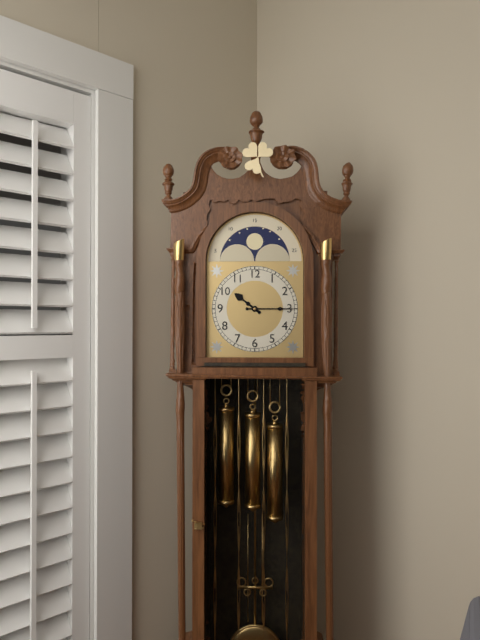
10:15
